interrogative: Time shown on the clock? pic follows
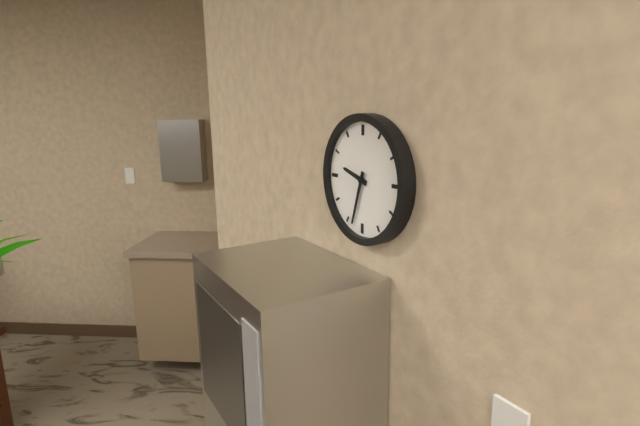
9:33
